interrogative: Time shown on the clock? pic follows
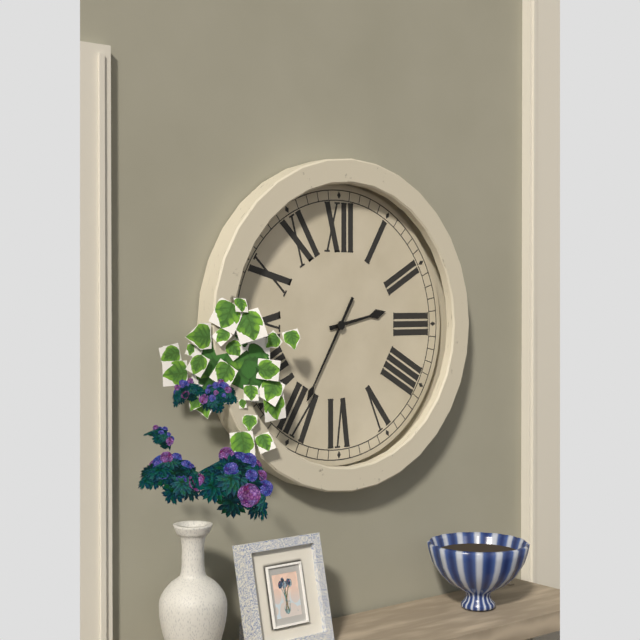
2:35
